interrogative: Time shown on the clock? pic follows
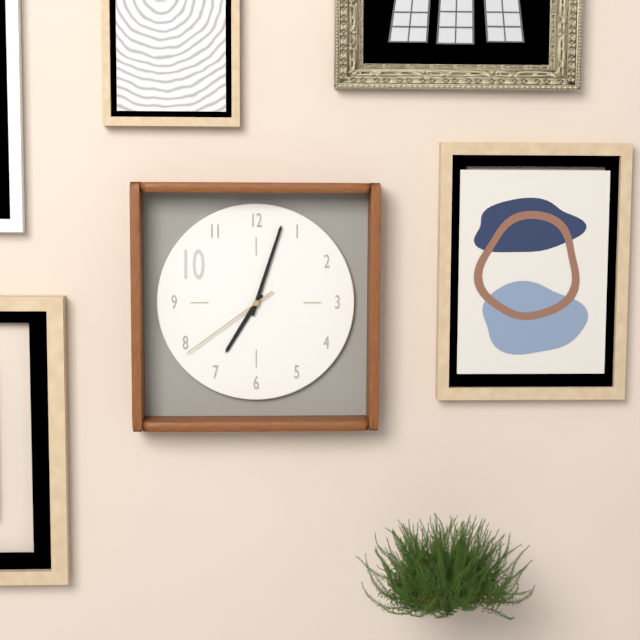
7:03:39
